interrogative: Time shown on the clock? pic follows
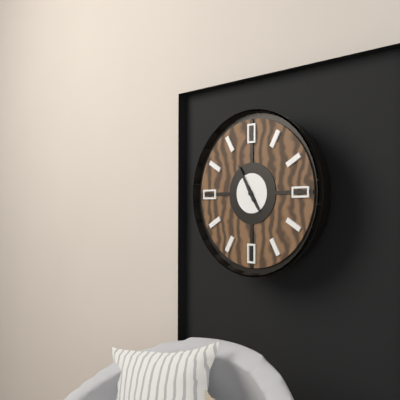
4:55
